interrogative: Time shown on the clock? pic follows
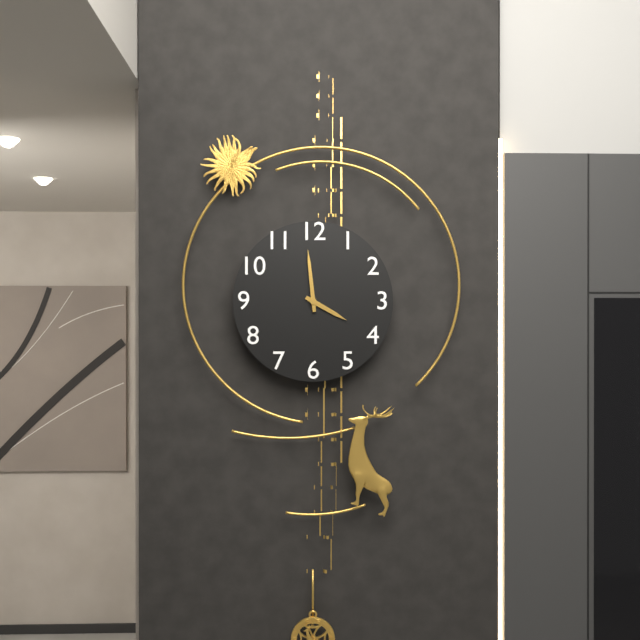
3:59
